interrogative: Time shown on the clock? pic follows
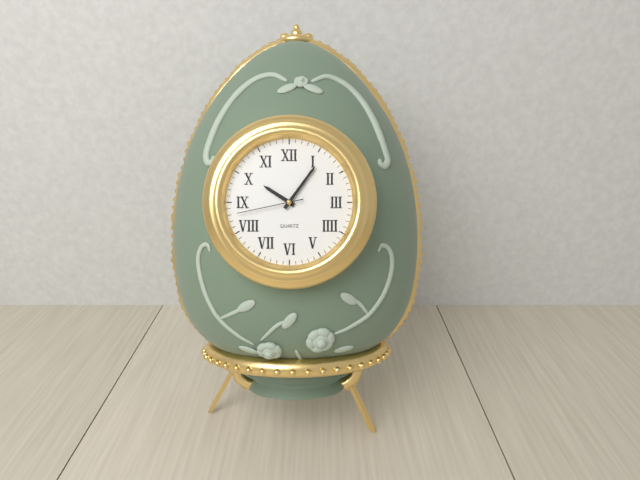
10:06:43
